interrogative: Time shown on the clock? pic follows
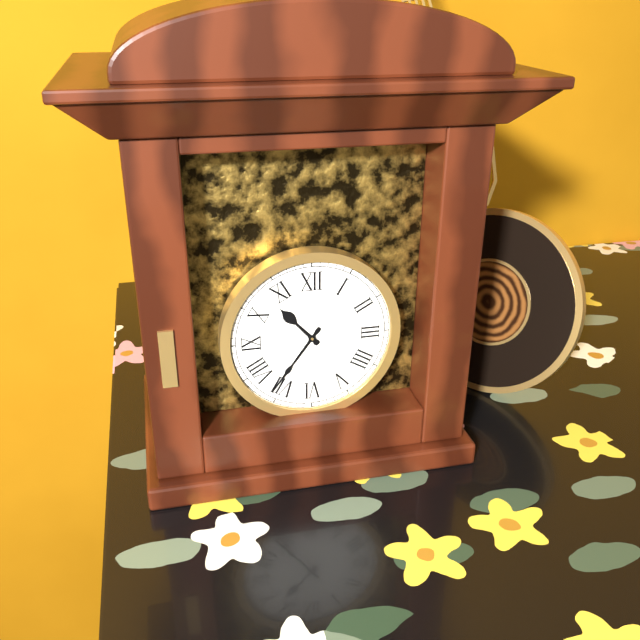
10:36
